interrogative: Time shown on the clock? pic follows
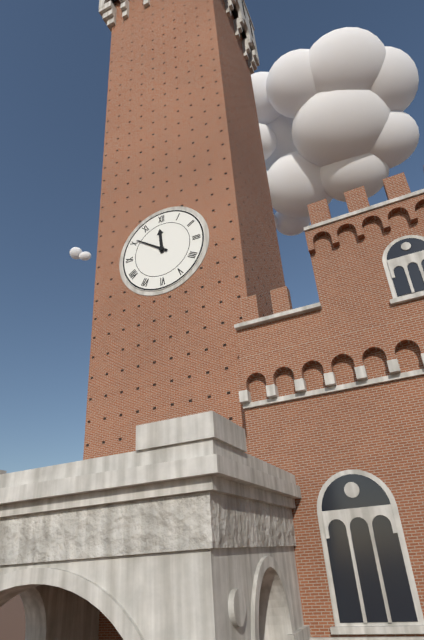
11:51
